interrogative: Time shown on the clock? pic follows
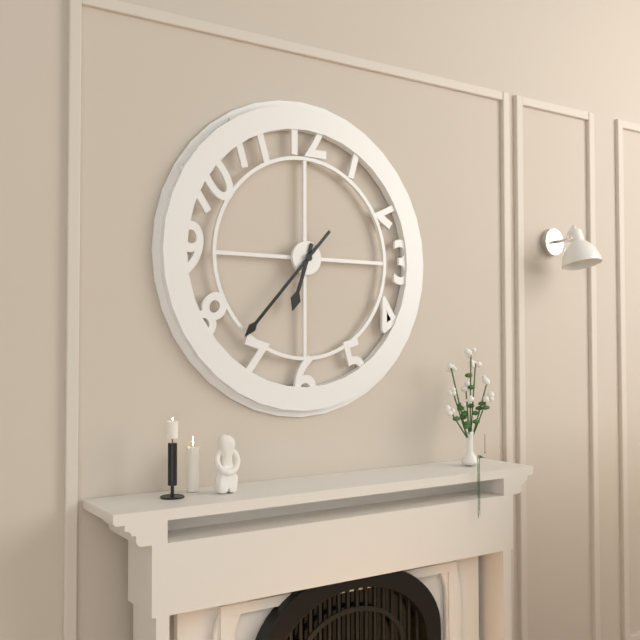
6:37
